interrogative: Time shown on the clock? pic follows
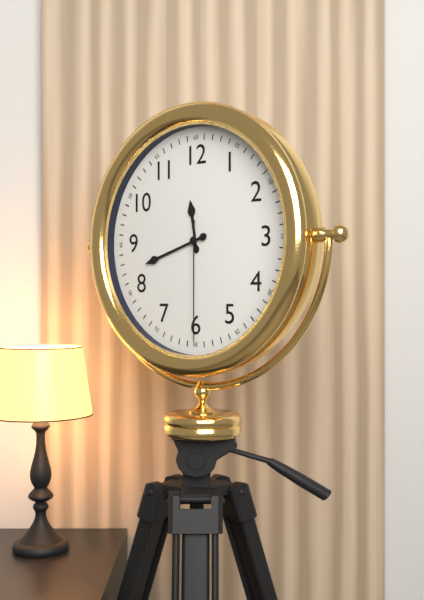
11:42:30
